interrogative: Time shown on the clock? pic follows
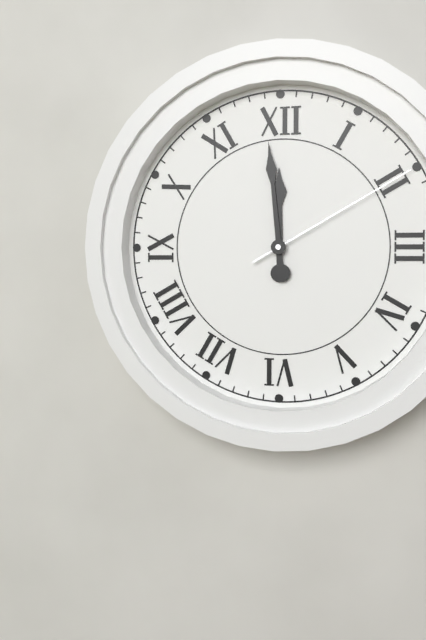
11:59:10
